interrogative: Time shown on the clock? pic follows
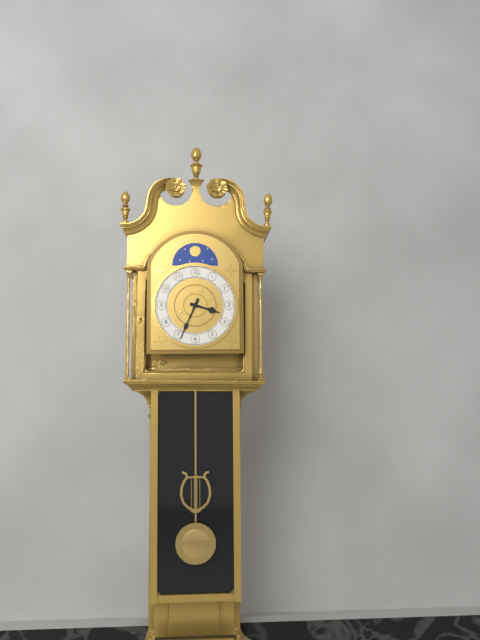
3:34
